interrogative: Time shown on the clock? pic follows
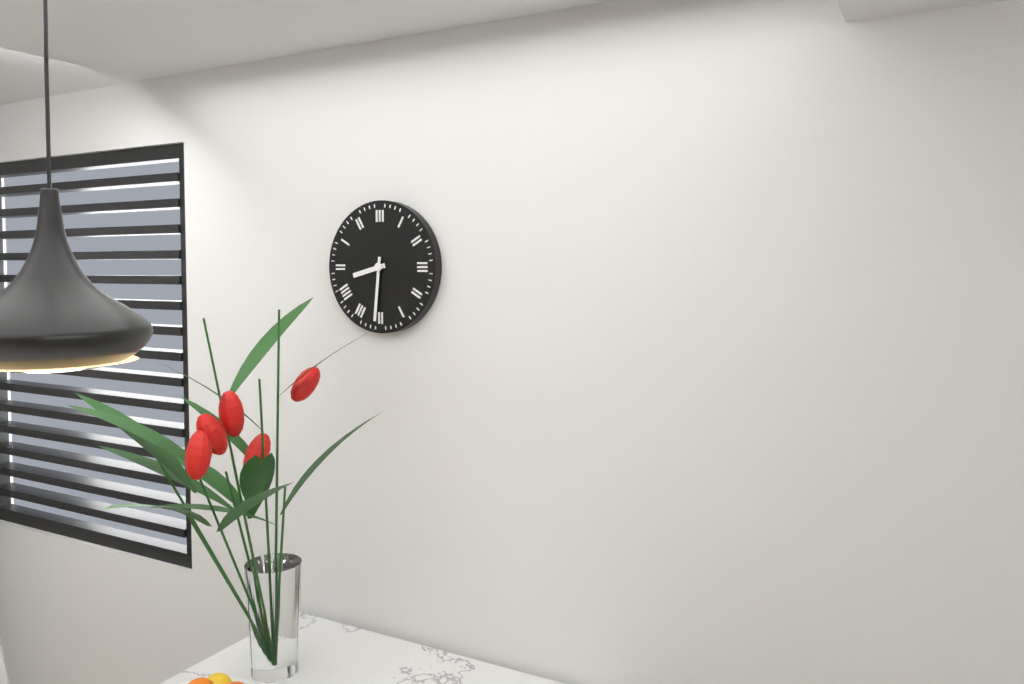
8:31
